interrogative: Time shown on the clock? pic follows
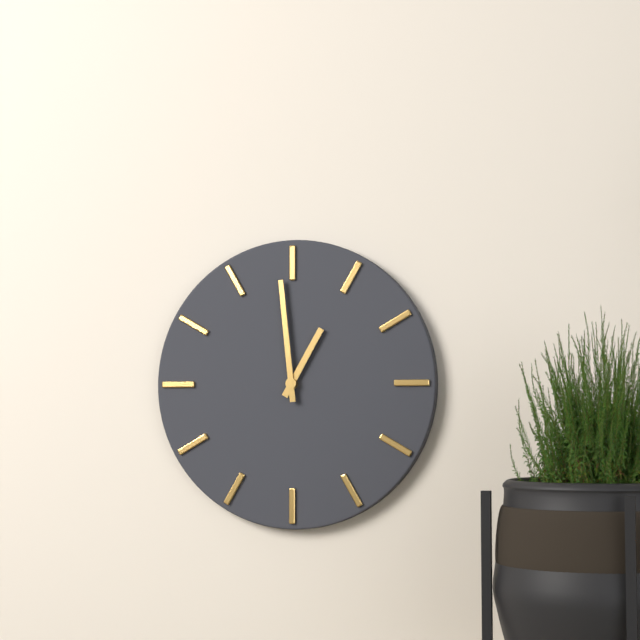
12:59
